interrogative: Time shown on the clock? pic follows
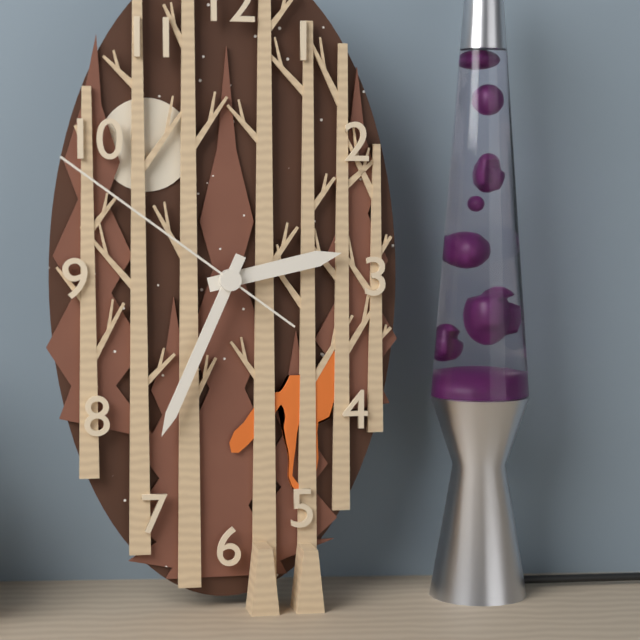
2:34:51
